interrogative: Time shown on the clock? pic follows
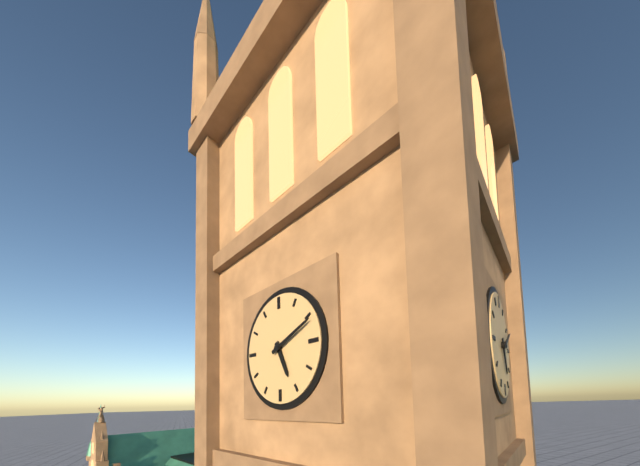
5:11
